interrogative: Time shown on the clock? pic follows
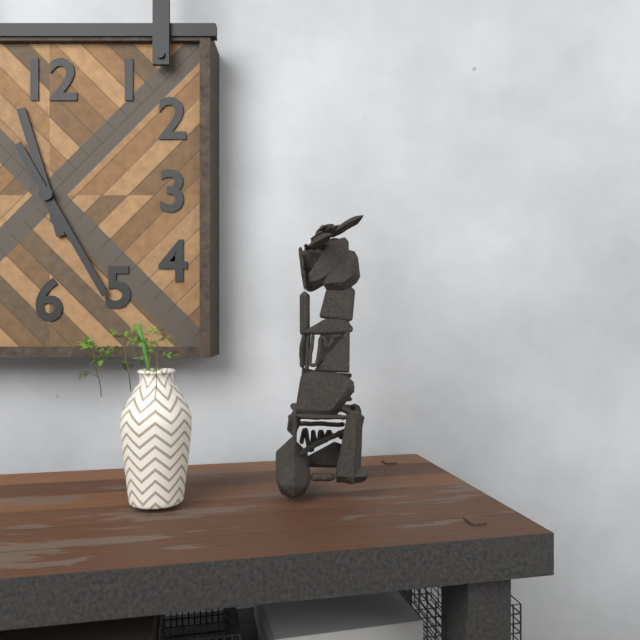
11:25
